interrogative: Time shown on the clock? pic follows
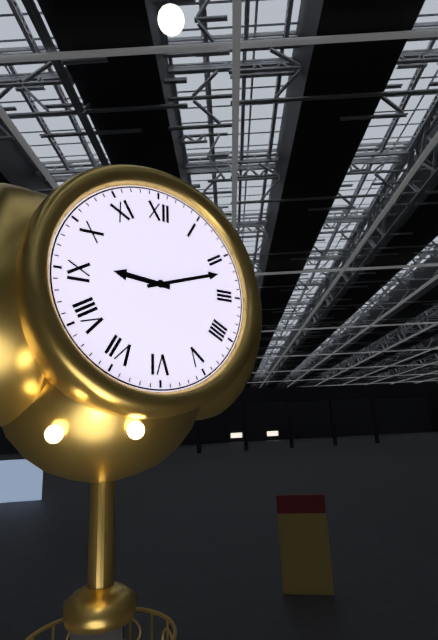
9:12
